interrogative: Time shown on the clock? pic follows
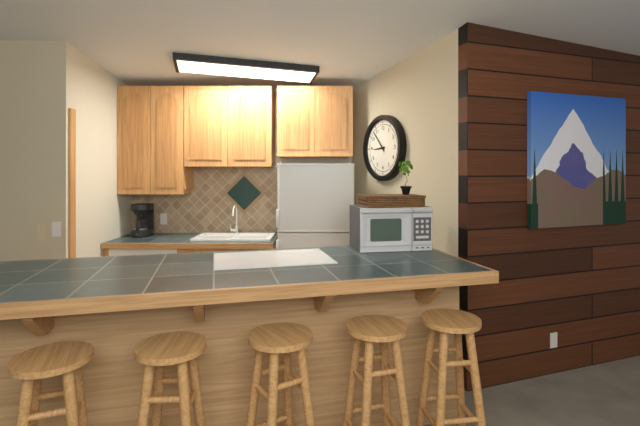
8:53
